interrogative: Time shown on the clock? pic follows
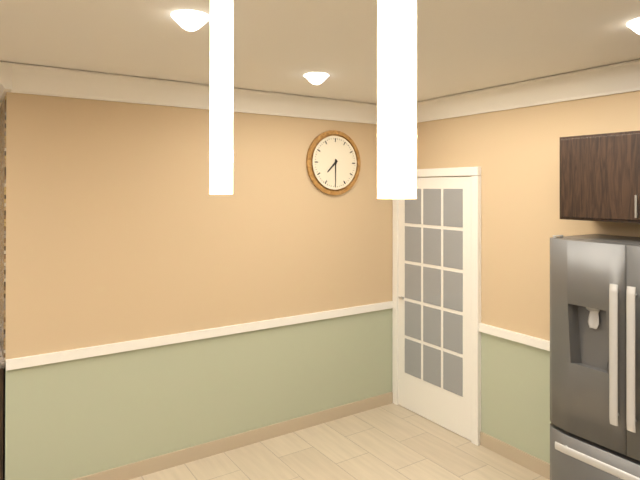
7:30
